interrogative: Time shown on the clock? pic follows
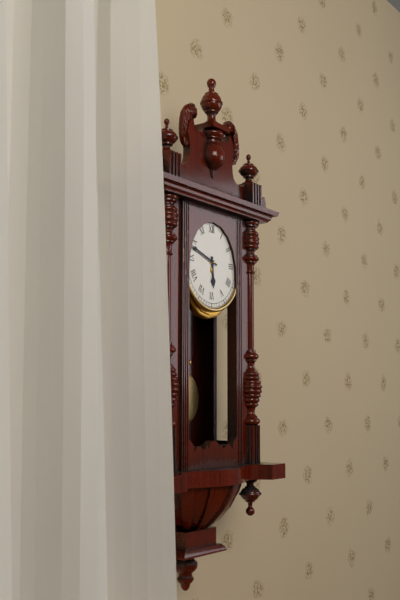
5:48
